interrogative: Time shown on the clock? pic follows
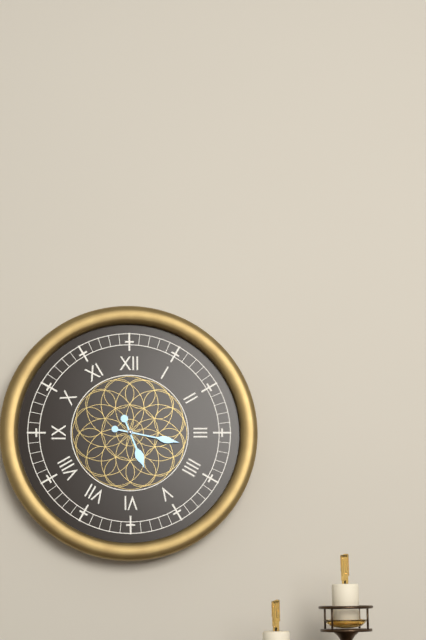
5:17
